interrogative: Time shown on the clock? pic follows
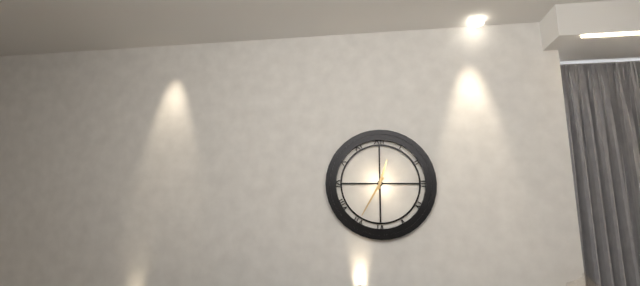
12:35
